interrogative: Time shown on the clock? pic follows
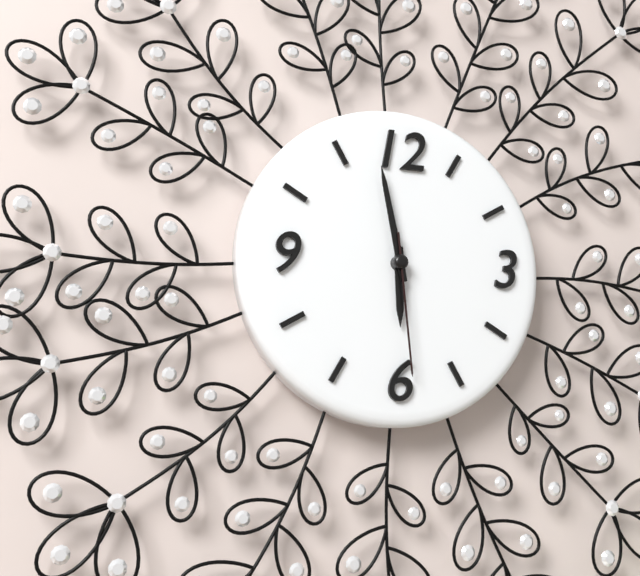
5:58:29
